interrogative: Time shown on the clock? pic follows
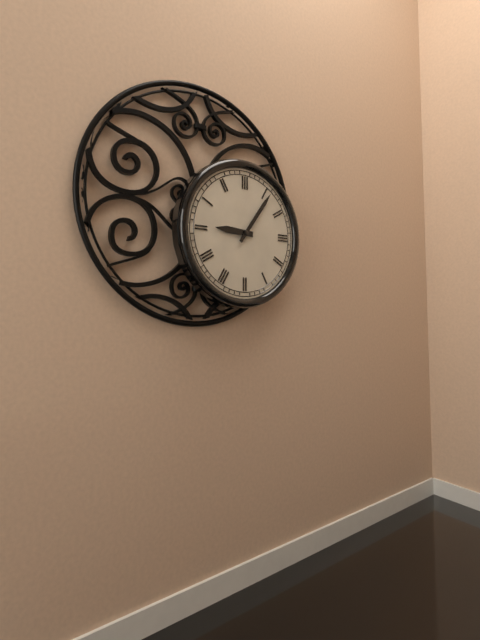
9:06
